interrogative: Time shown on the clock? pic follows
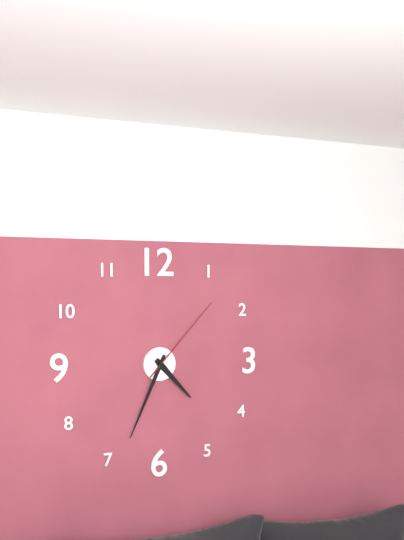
4:34:07
